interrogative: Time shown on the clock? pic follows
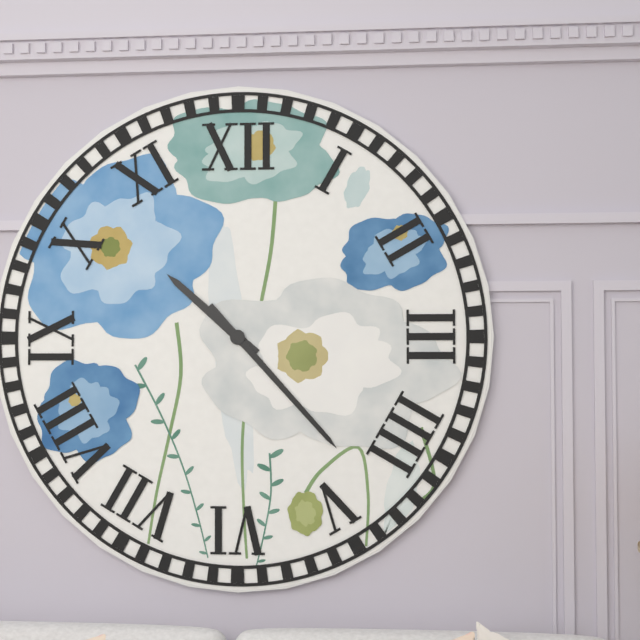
10:23
